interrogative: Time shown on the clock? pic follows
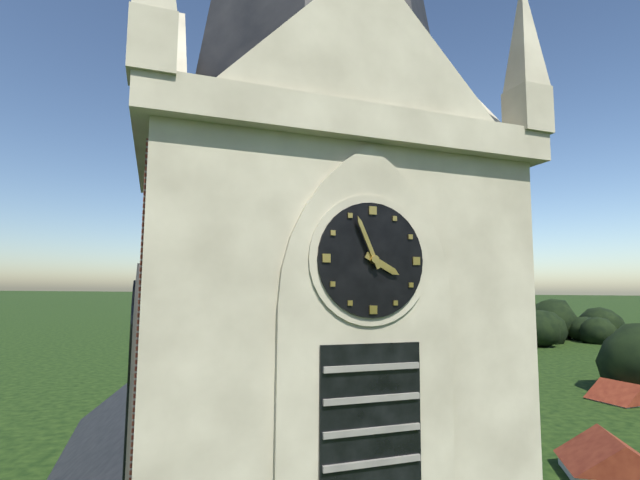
3:56
